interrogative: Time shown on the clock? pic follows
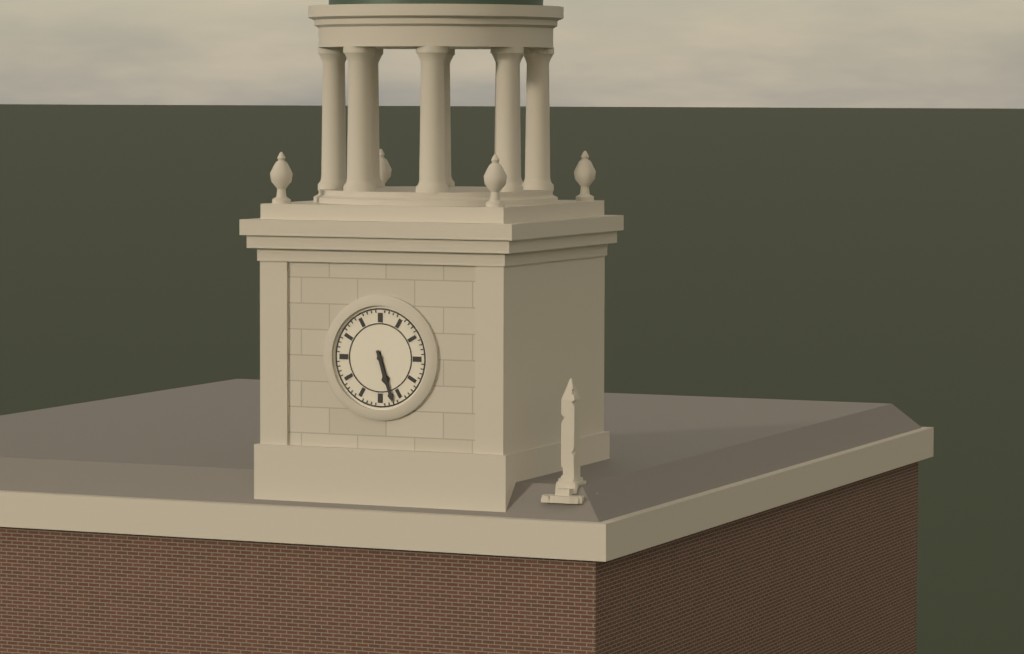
5:27
